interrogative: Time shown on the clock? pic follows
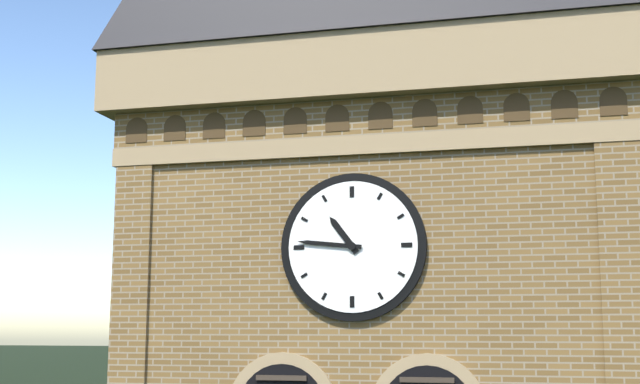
10:46
